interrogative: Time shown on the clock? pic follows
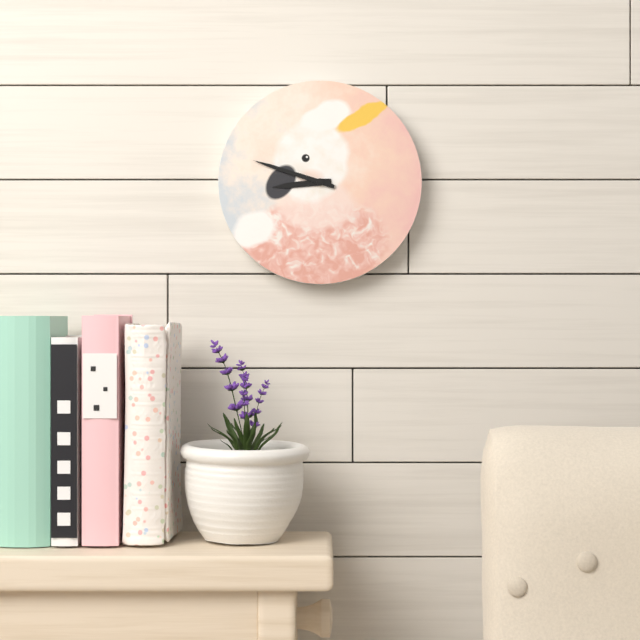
8:48
